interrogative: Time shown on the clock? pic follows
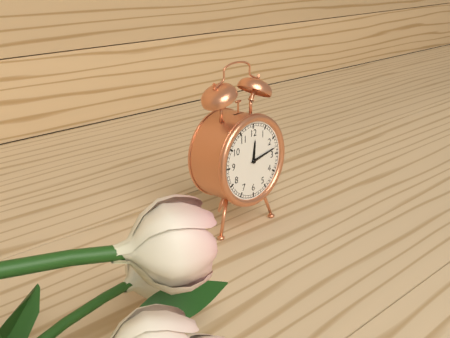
12:13
